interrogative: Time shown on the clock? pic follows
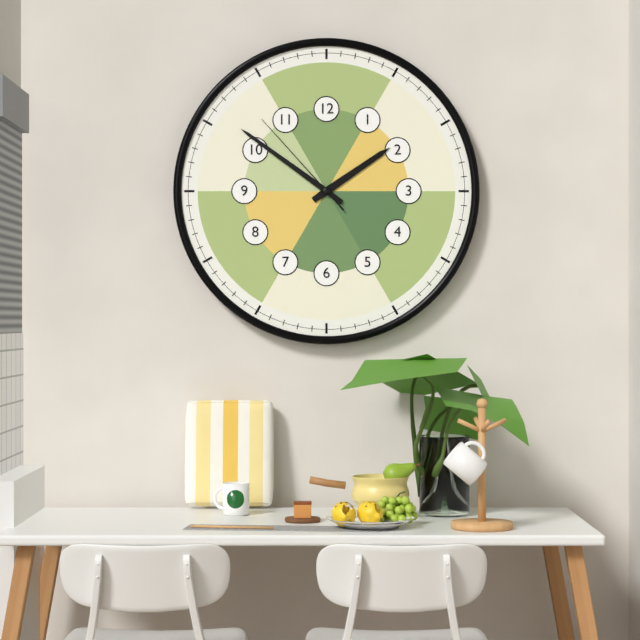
1:51:53
